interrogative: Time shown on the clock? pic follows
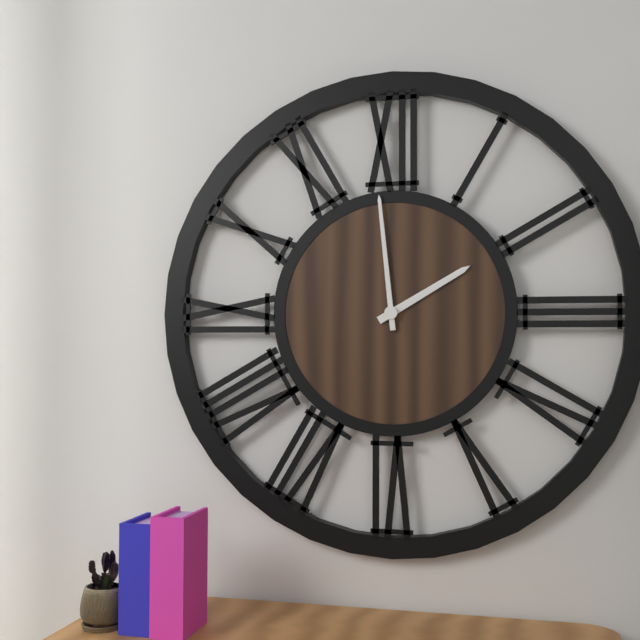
1:59
